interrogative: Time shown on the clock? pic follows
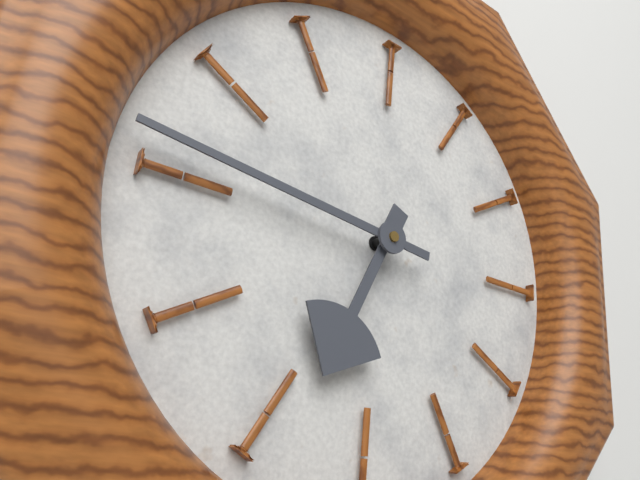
6:46
